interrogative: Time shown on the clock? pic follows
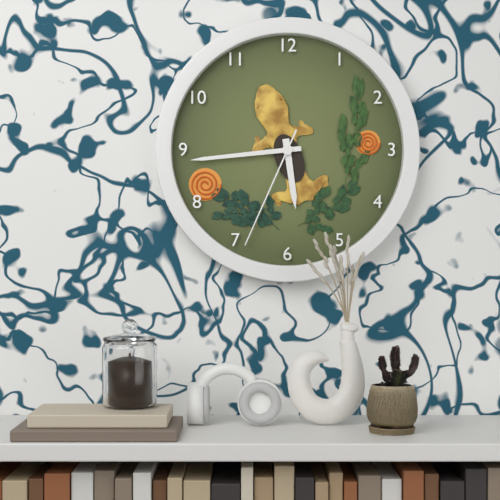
5:44:34
